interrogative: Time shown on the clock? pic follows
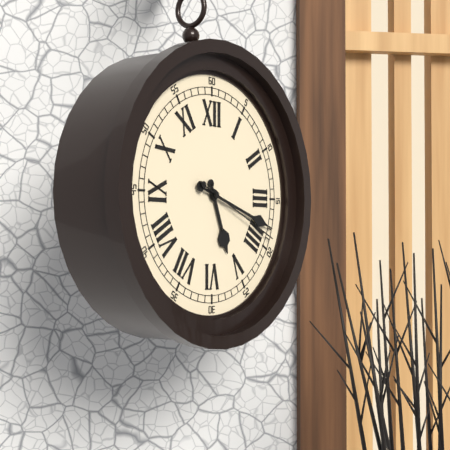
5:18:19
